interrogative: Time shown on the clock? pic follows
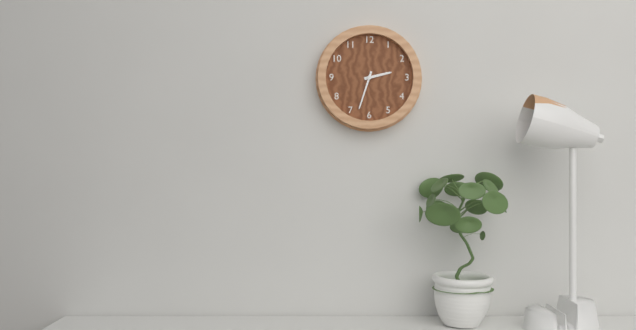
2:33
